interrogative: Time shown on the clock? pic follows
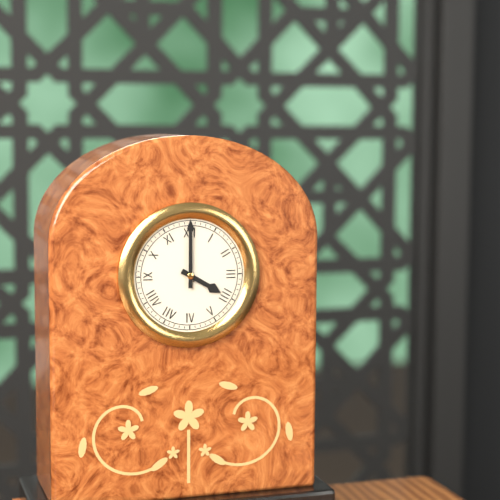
4:00
